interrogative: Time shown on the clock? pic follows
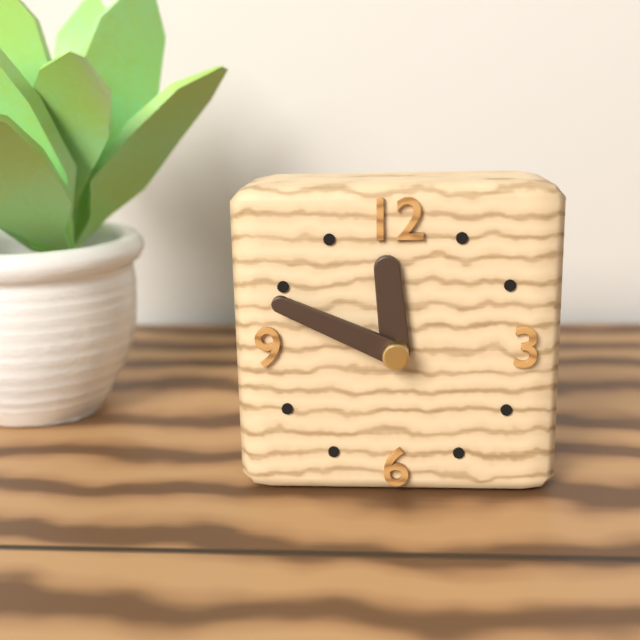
11:49
